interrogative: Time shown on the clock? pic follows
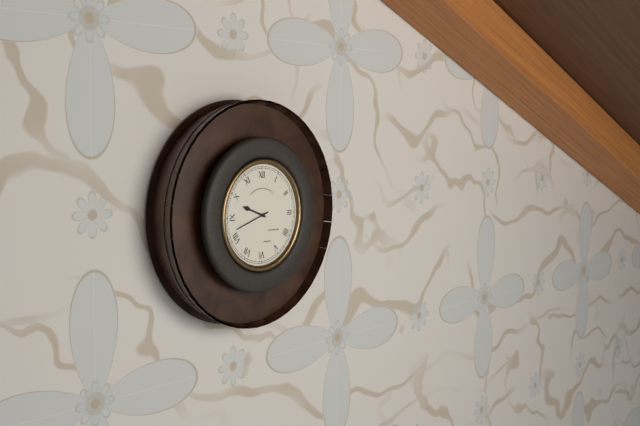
9:42
